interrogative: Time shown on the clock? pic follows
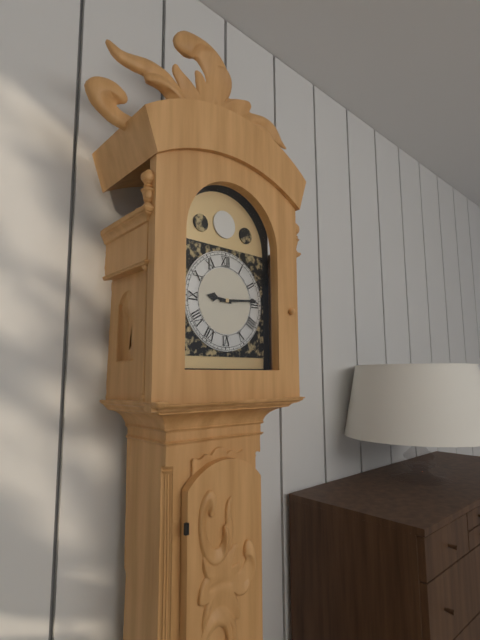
9:14
